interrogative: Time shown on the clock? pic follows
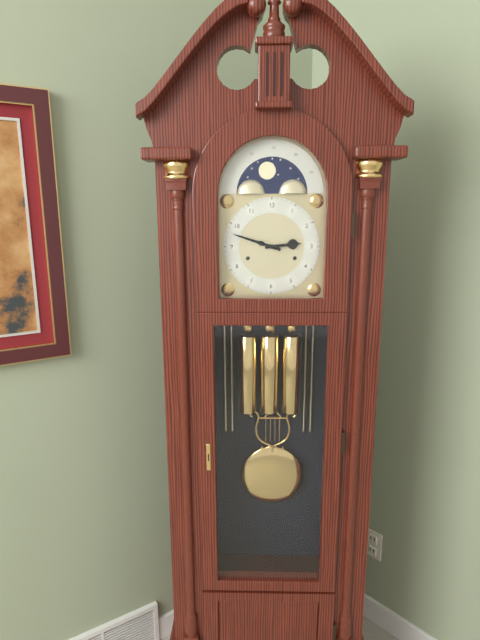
2:48
